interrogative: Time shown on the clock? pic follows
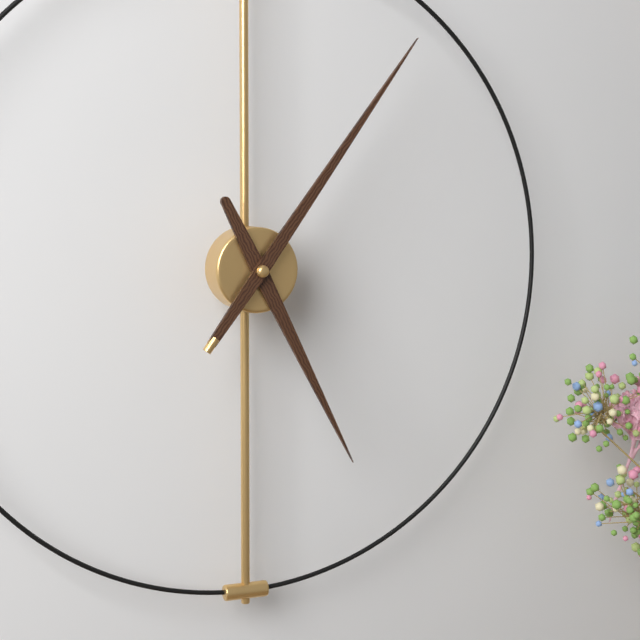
5:06
